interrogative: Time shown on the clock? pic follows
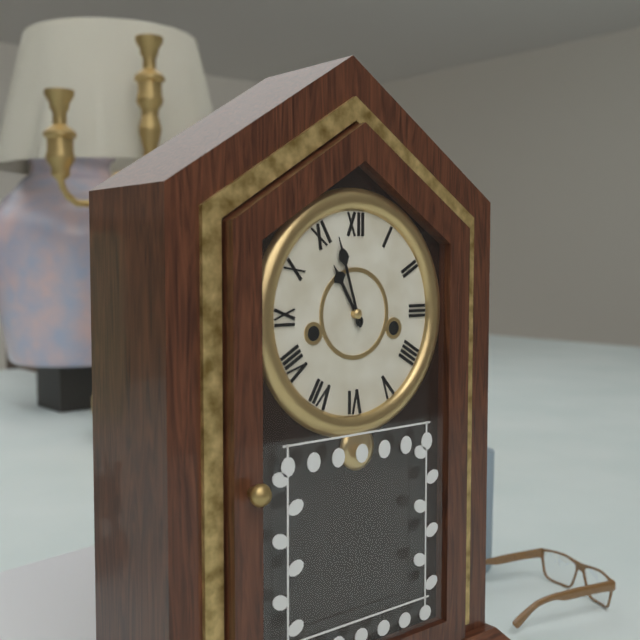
10:57
